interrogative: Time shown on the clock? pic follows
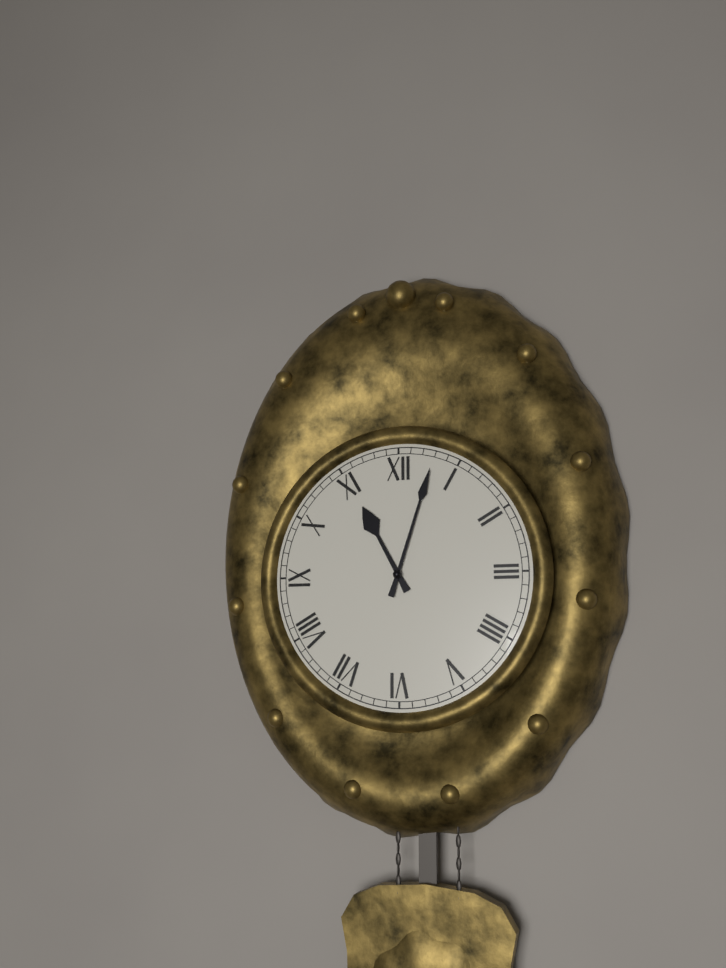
11:03
